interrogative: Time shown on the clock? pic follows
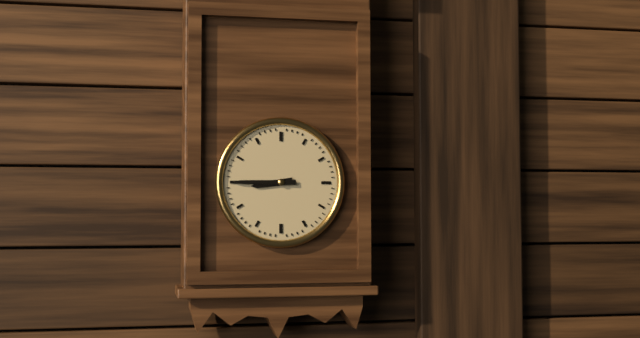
8:45
